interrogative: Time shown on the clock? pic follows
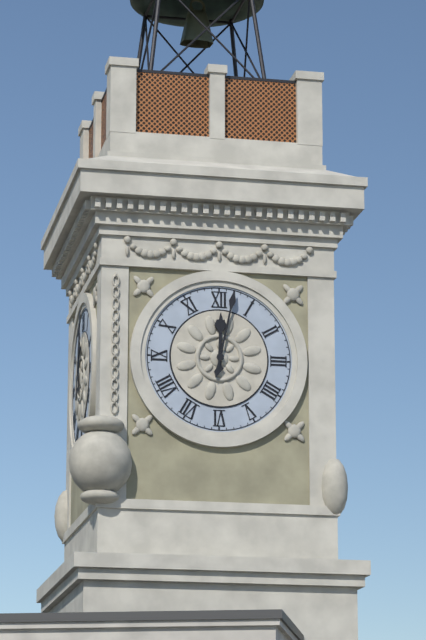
12:02
